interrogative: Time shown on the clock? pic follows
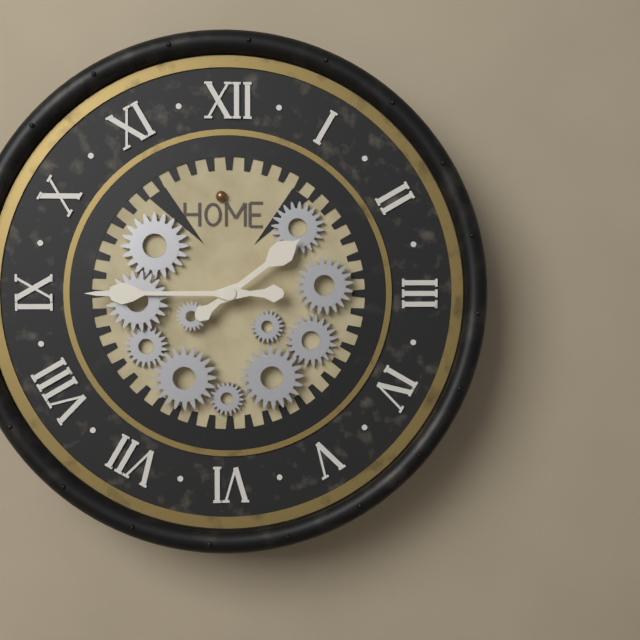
1:45
